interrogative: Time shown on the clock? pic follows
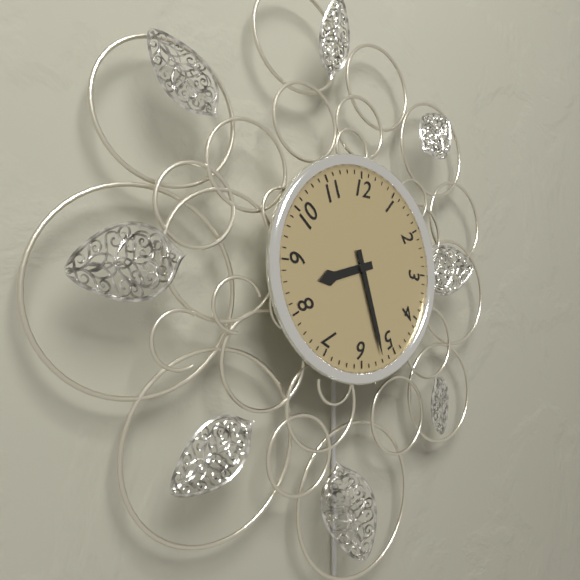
8:27
